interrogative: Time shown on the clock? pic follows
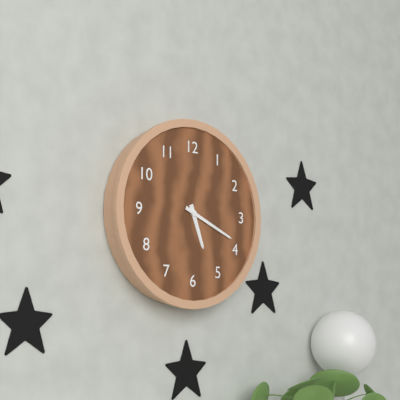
5:19
